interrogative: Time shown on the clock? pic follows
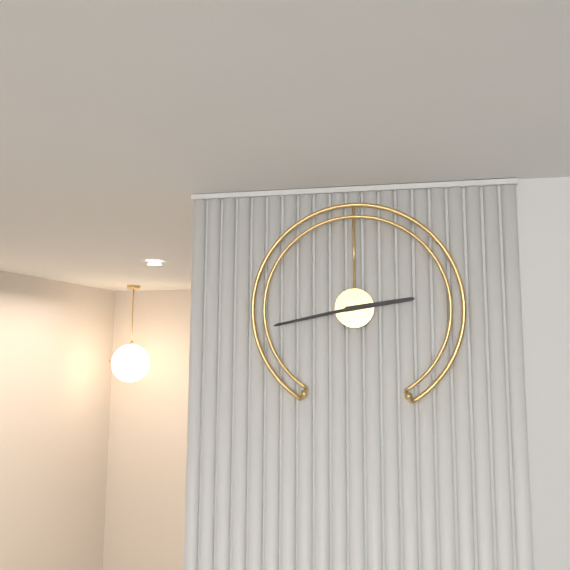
2:43
